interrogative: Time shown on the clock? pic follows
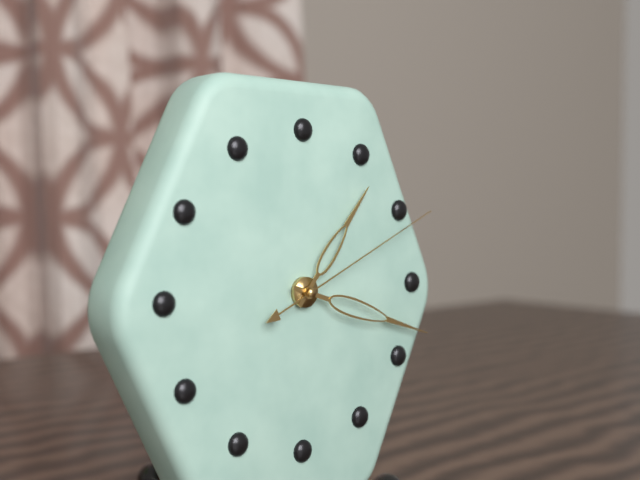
1:18:11
